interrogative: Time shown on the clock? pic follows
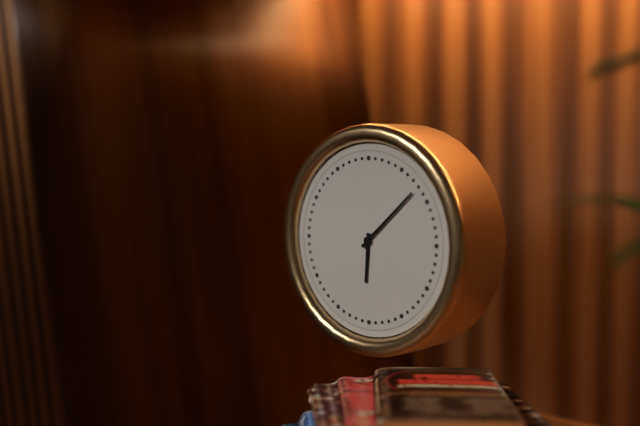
6:08
